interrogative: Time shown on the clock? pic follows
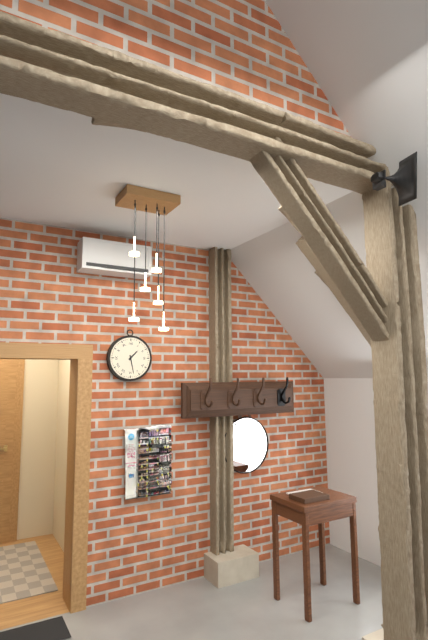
1:28
